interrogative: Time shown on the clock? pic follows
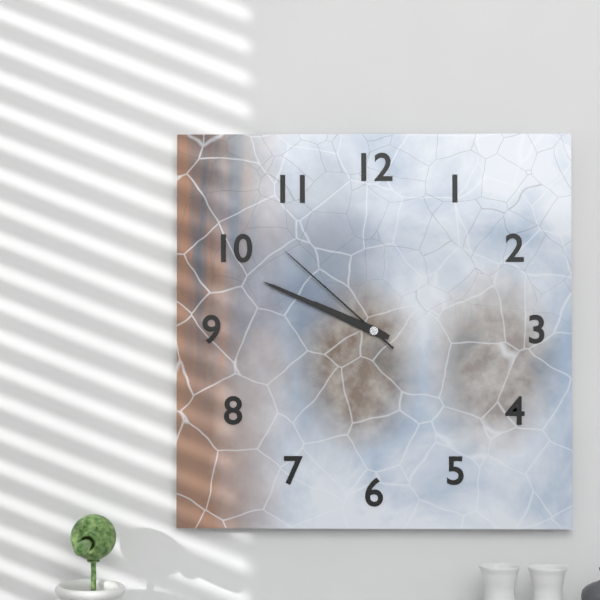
9:49:52
